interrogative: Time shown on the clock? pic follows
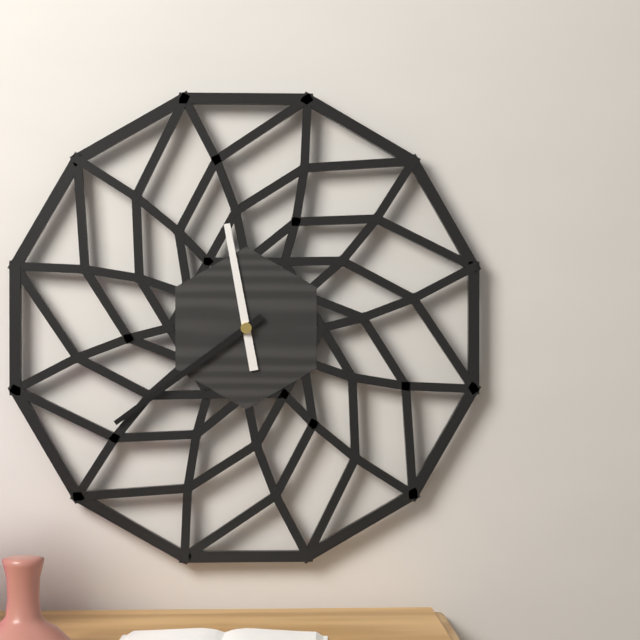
11:39
